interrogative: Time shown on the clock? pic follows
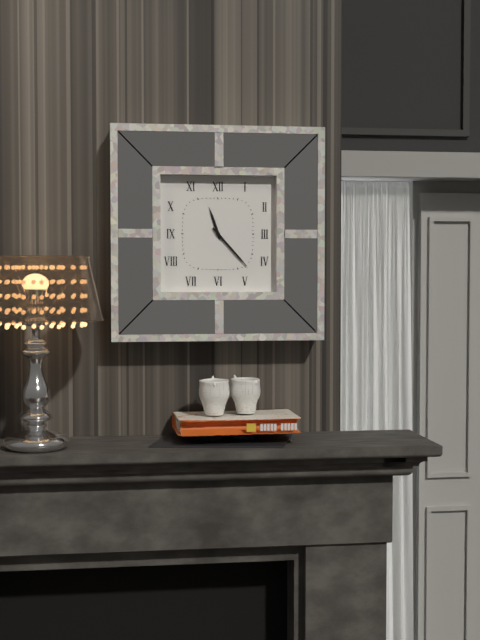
11:23
